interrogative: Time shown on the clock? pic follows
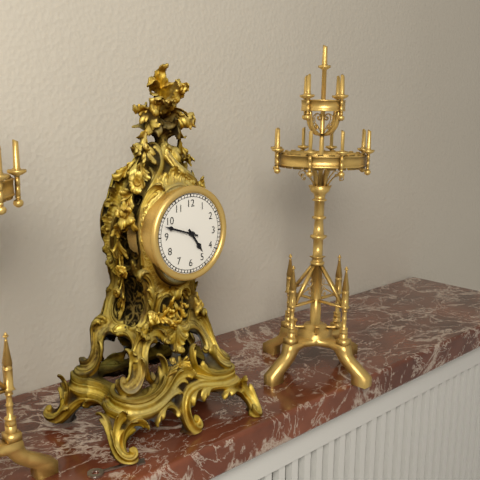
4:48
